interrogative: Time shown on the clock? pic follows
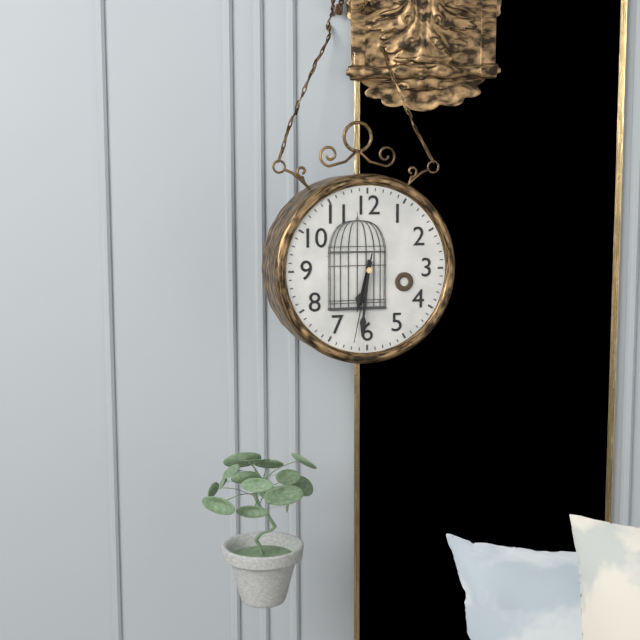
6:31:32
